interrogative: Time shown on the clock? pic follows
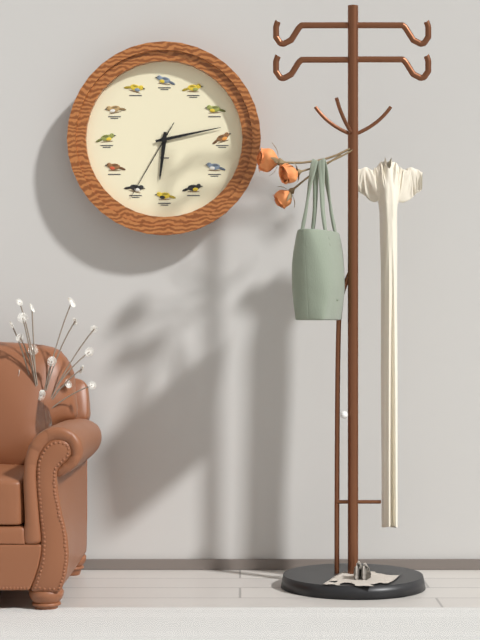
6:13:35
